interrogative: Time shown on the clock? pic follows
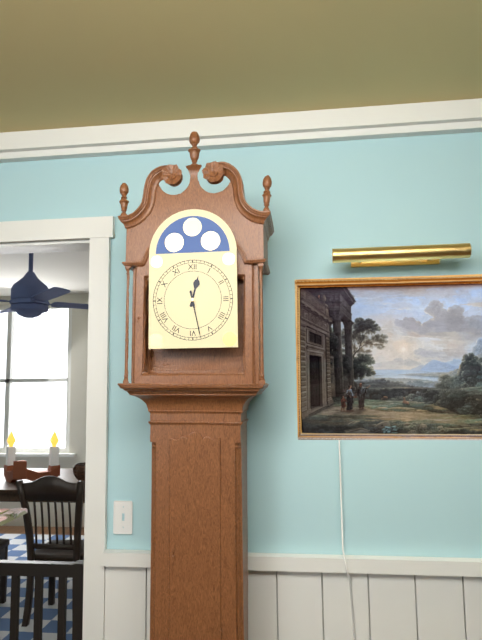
12:28
